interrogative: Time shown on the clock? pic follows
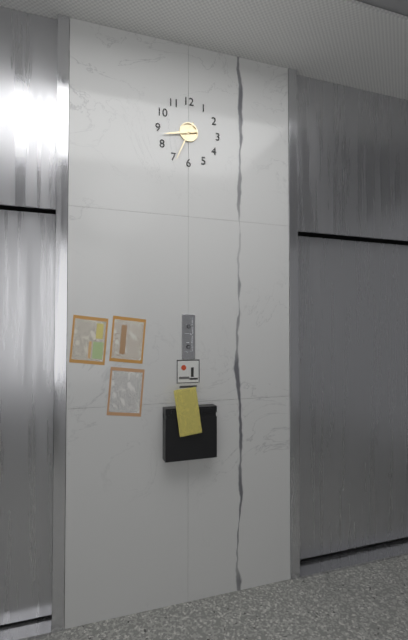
8:34
